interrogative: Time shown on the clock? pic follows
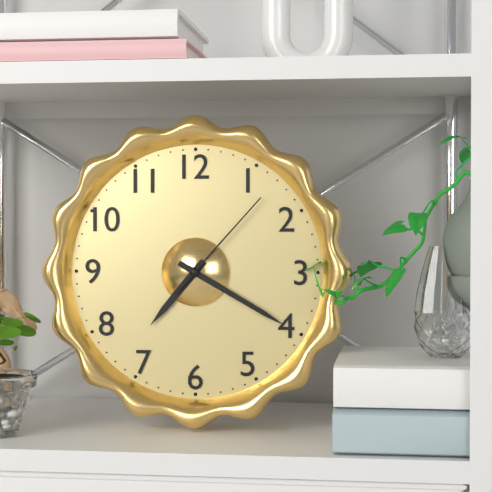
7:20:07
